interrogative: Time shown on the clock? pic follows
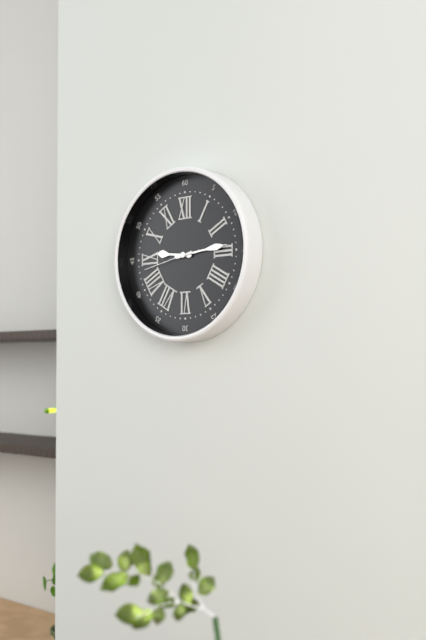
9:14:43
